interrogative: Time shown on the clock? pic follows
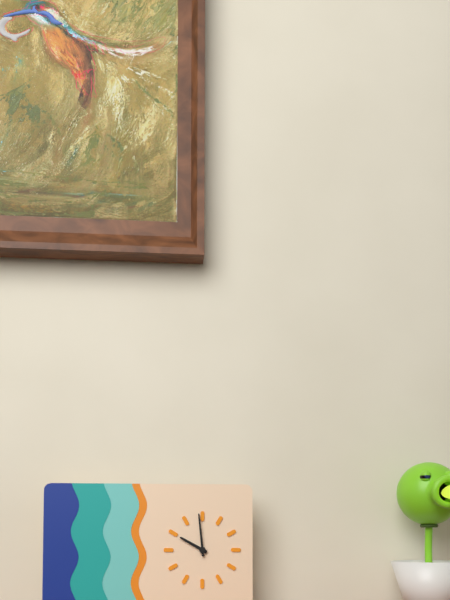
9:59
